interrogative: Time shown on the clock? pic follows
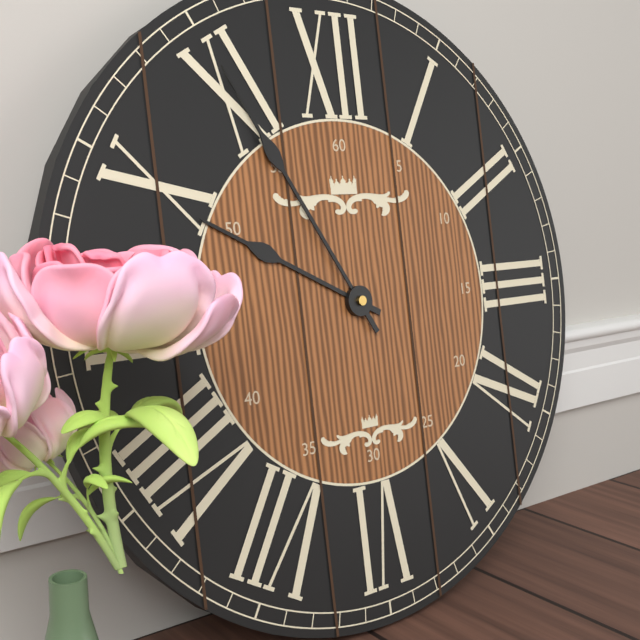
9:55
